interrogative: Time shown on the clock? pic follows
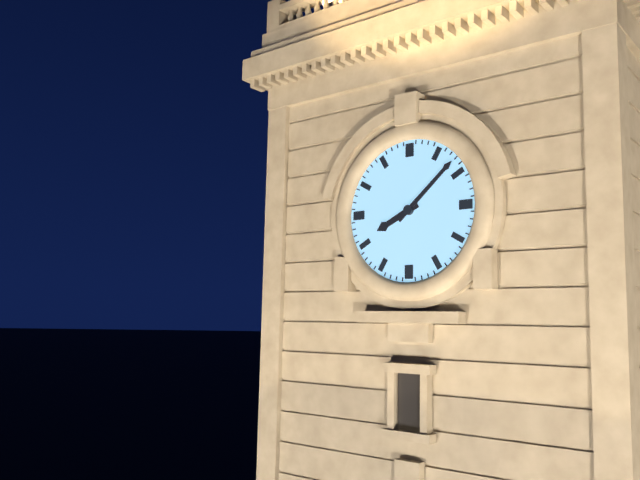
8:08
